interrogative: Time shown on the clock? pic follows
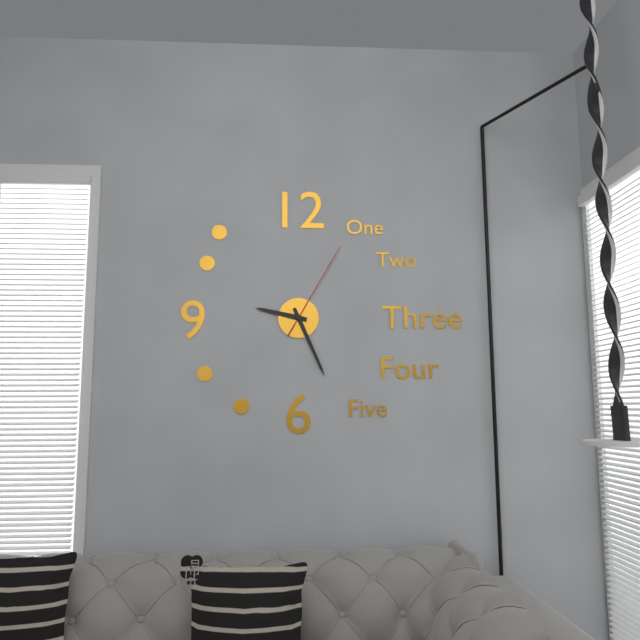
9:26:05
